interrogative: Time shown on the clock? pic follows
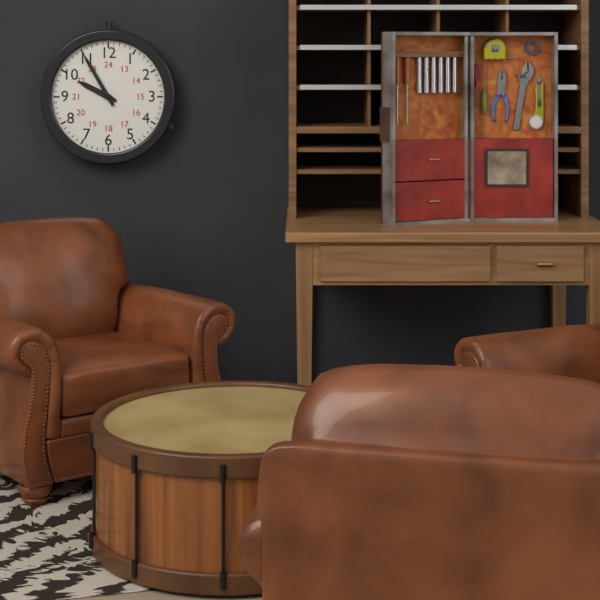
9:55
